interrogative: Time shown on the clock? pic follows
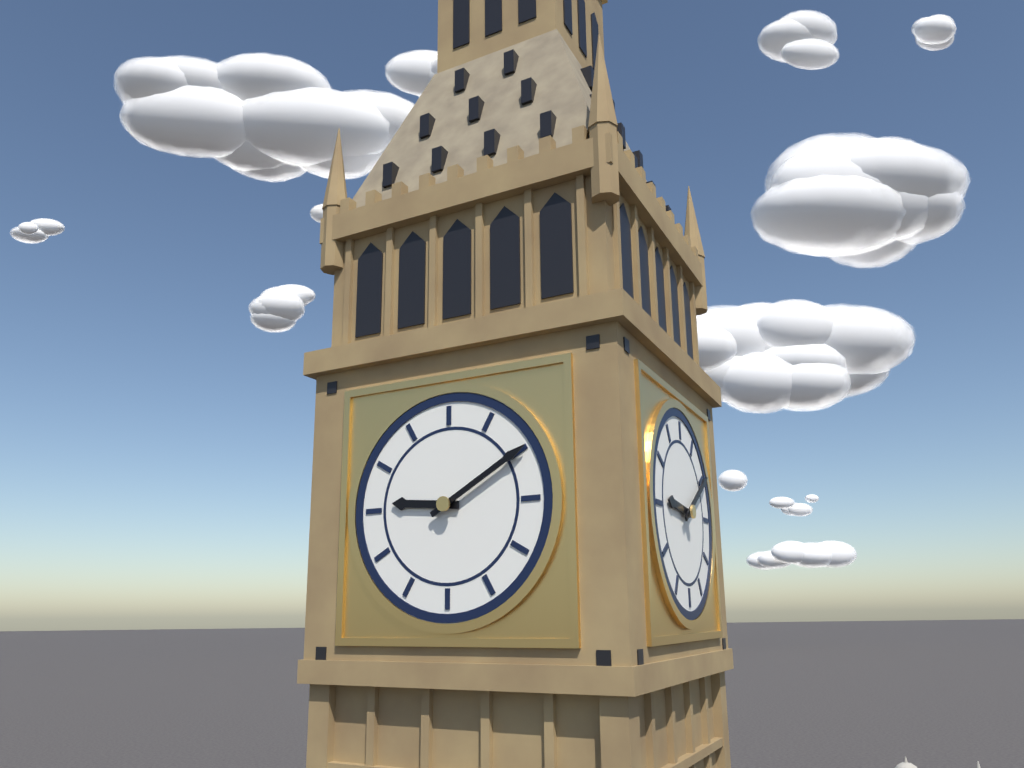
9:10
